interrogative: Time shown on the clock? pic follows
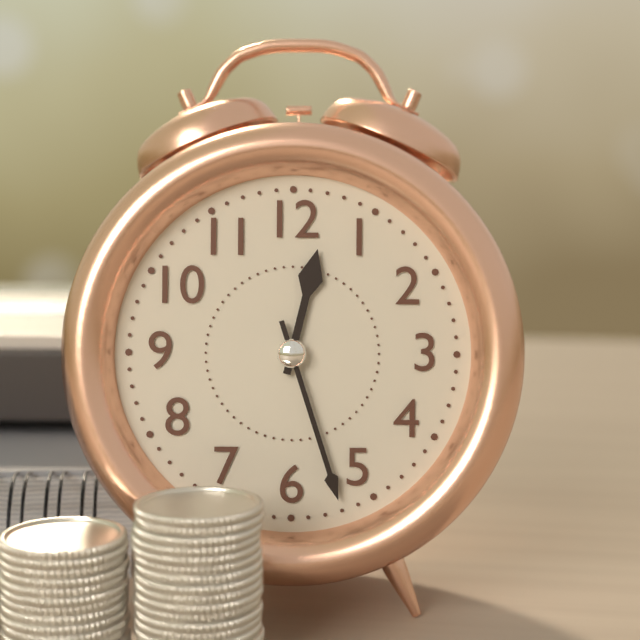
12:27
